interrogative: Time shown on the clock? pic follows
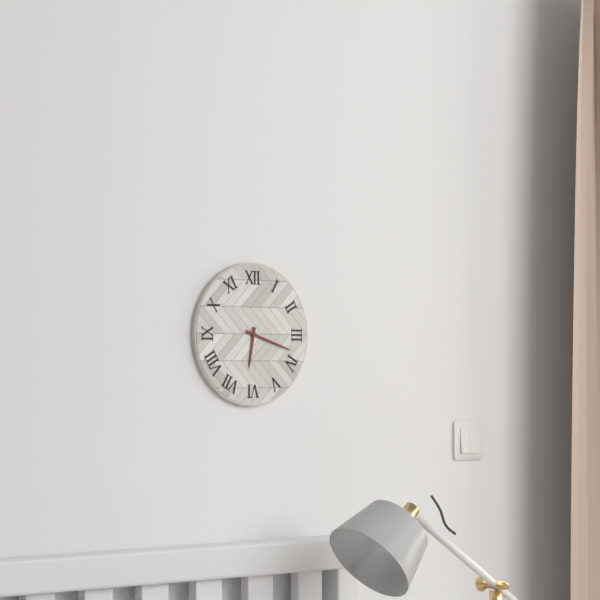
6:18
